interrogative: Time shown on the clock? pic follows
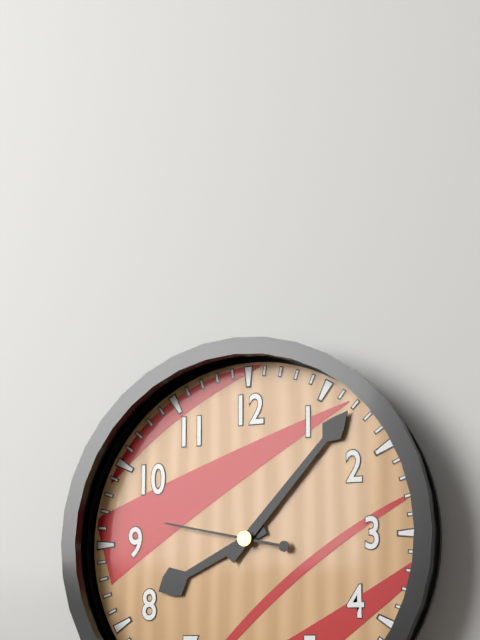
8:07:47
